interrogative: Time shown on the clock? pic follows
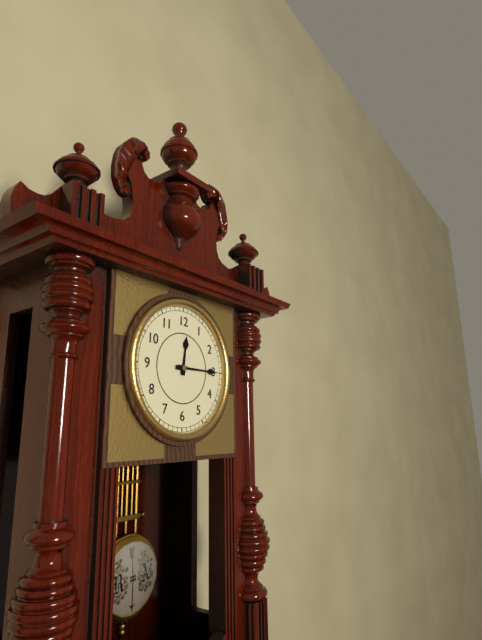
12:15
